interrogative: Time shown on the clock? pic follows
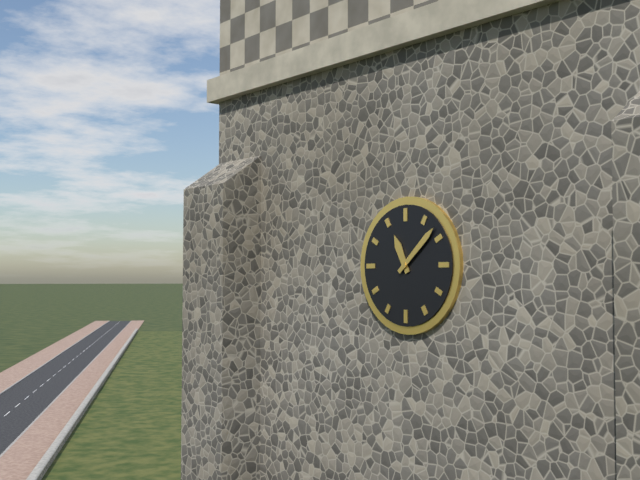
11:08
